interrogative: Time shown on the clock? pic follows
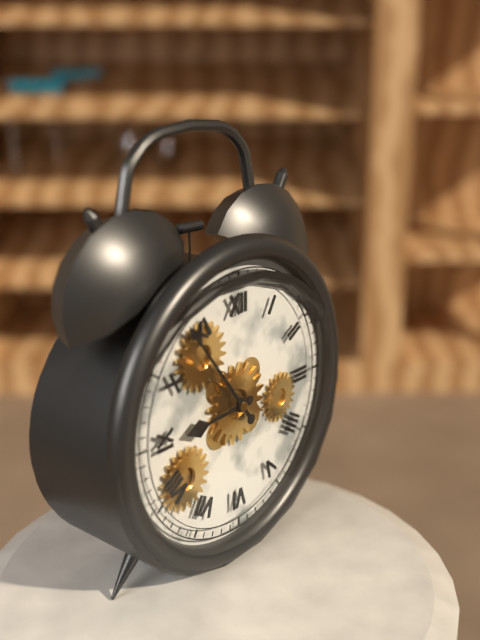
8:54
